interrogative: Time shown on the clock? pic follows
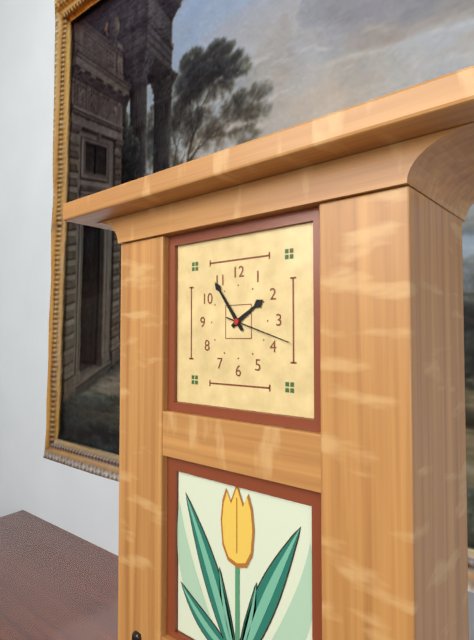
1:54:18
